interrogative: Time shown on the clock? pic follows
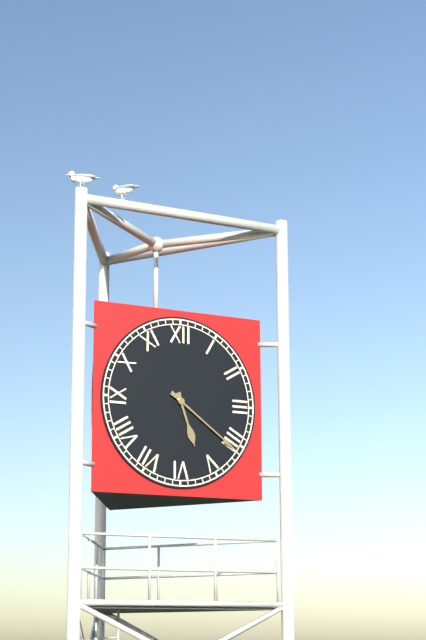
5:21
